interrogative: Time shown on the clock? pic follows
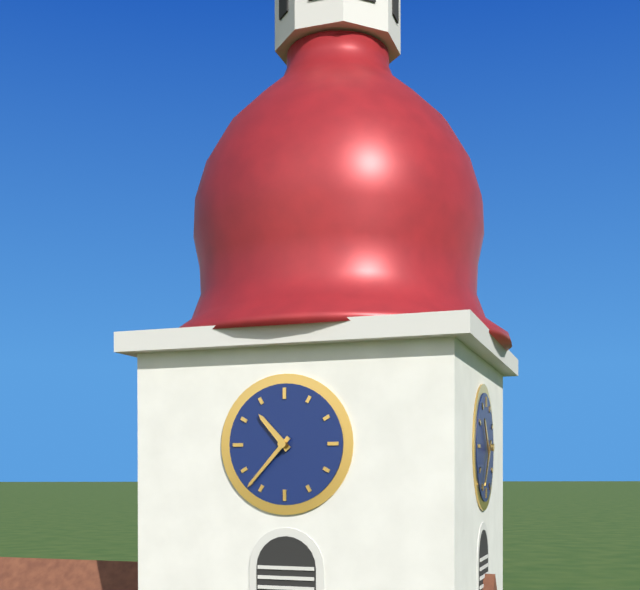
10:37
